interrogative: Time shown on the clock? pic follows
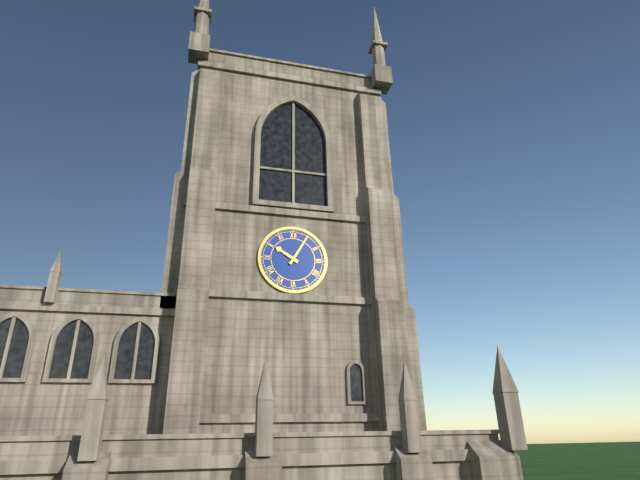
10:05
